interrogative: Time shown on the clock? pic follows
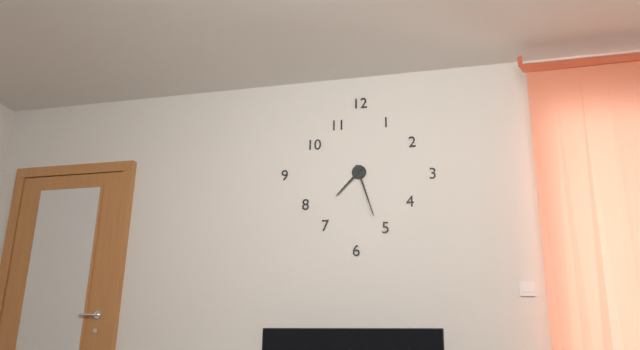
7:27
